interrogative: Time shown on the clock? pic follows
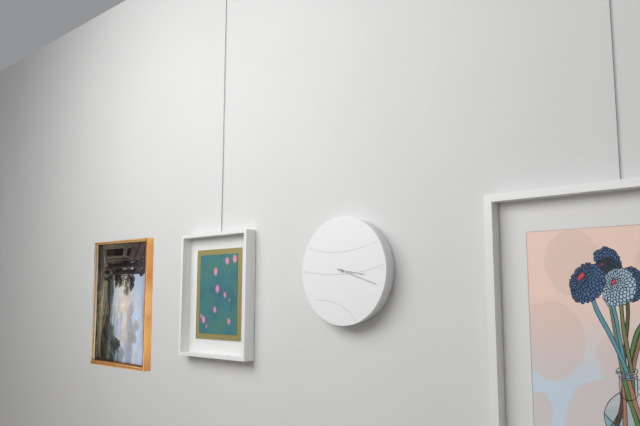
3:18
